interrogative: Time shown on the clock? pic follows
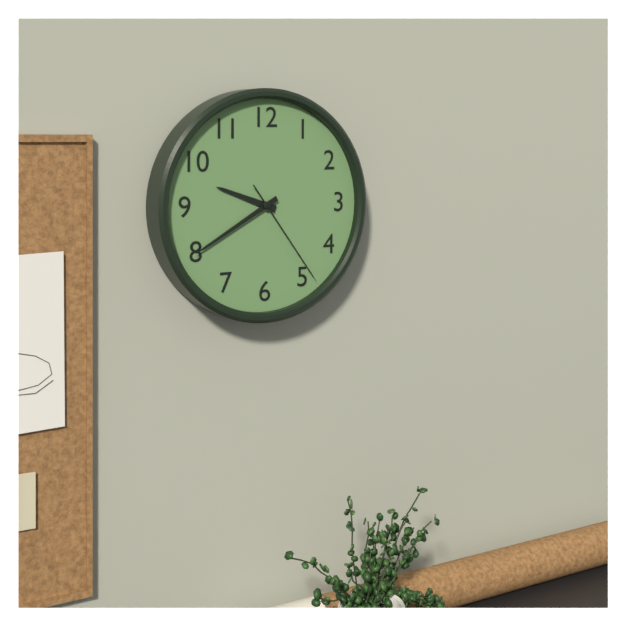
9:40:24
